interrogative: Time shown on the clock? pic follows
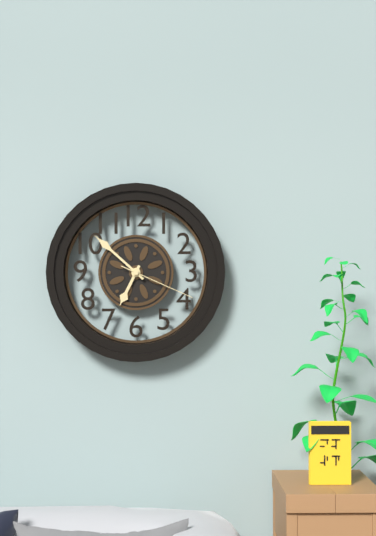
6:52:19
